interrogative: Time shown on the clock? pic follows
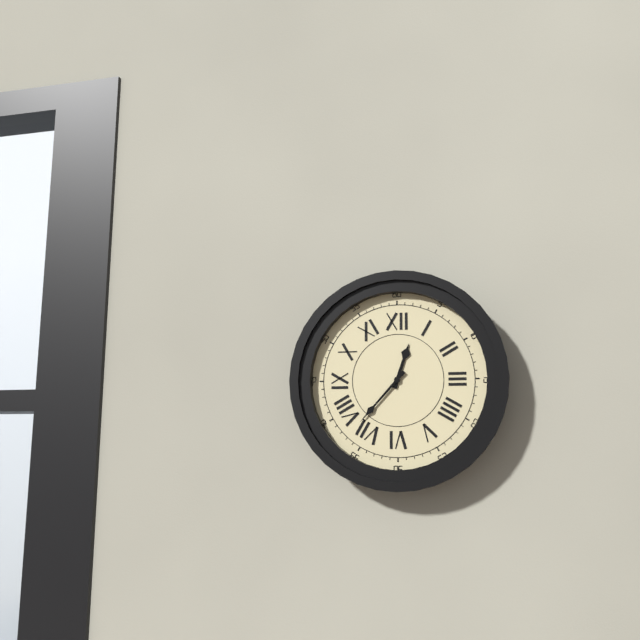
12:37
